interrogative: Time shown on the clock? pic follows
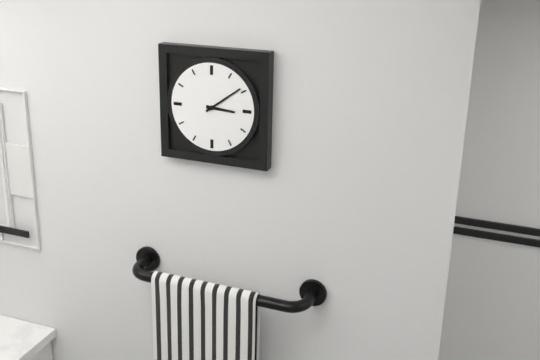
3:09
